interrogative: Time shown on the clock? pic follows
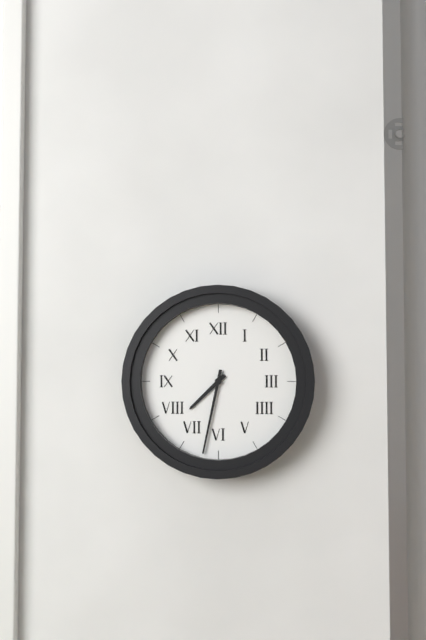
7:32
